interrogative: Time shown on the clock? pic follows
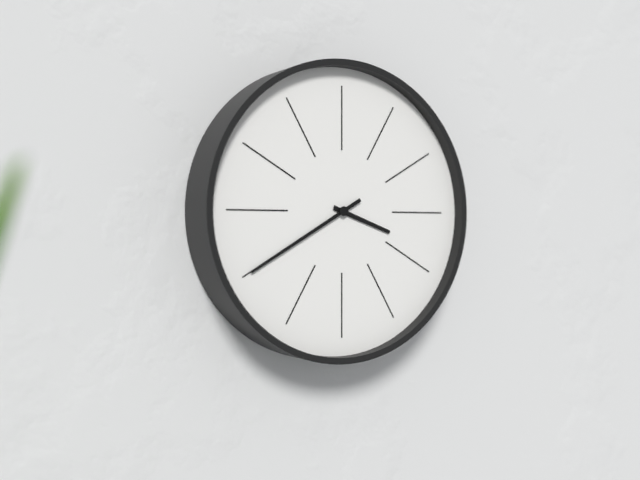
3:40
